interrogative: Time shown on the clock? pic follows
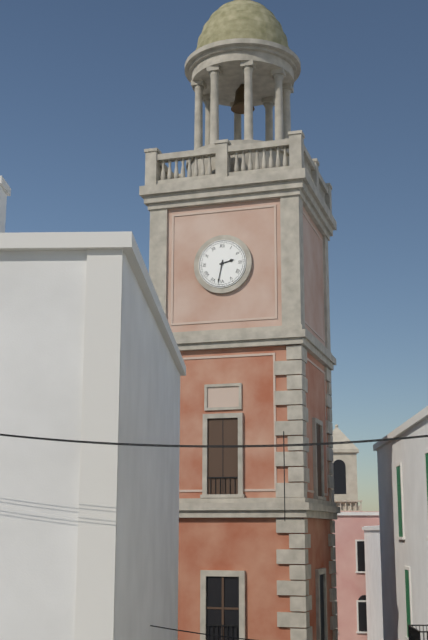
2:32
